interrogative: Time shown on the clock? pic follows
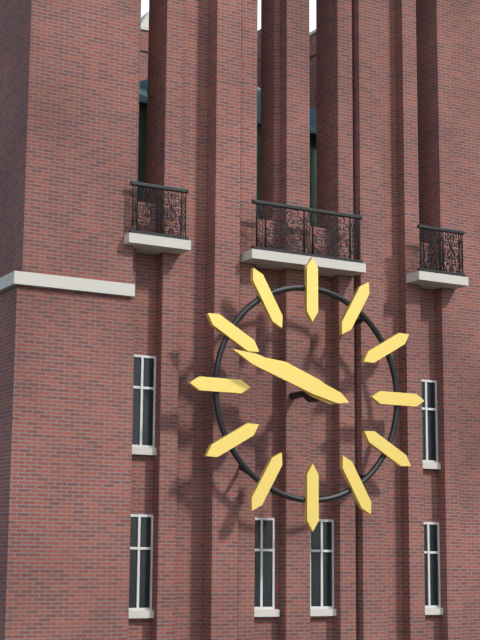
9:48
